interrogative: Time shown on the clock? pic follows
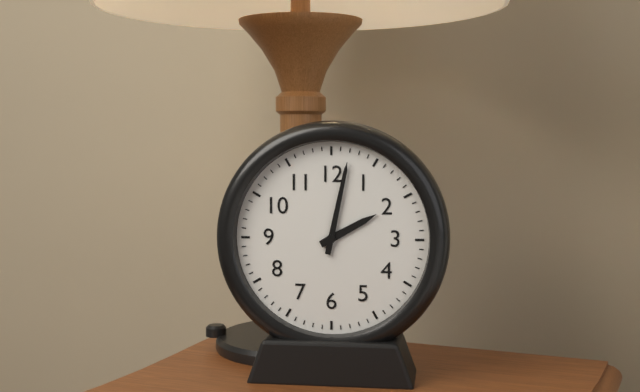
2:02
